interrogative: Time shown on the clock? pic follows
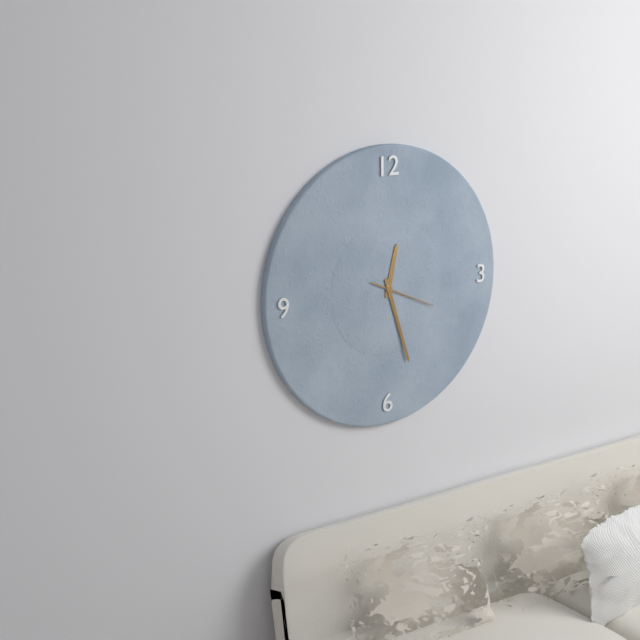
12:27:19
